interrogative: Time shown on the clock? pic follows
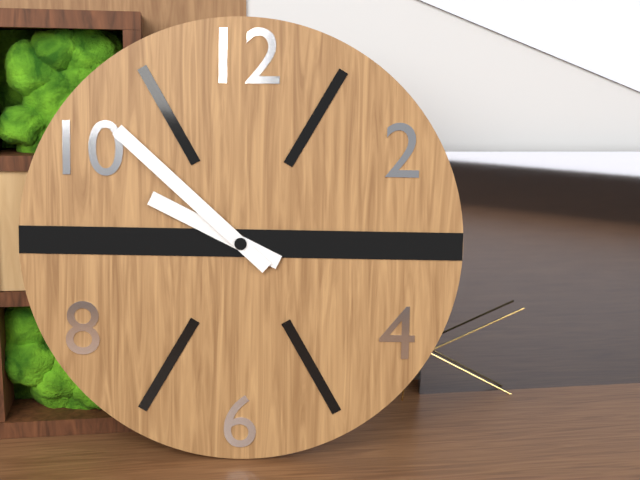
9:52
